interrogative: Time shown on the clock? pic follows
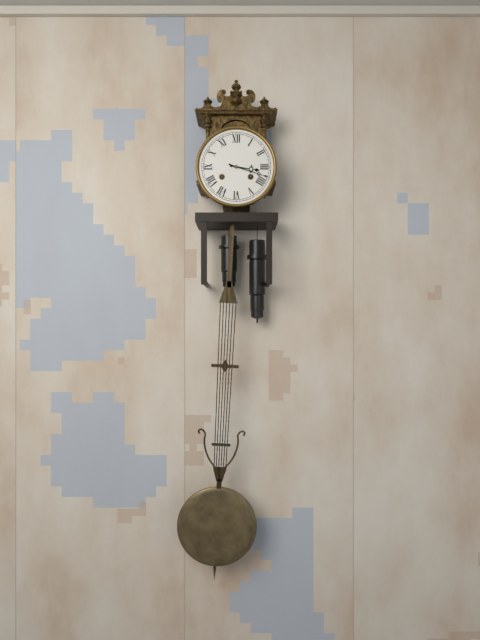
3:18
